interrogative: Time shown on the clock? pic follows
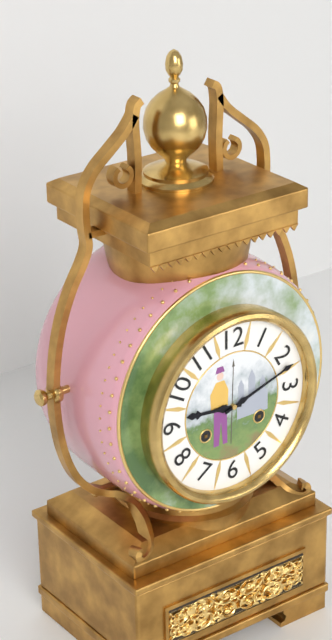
9:12
